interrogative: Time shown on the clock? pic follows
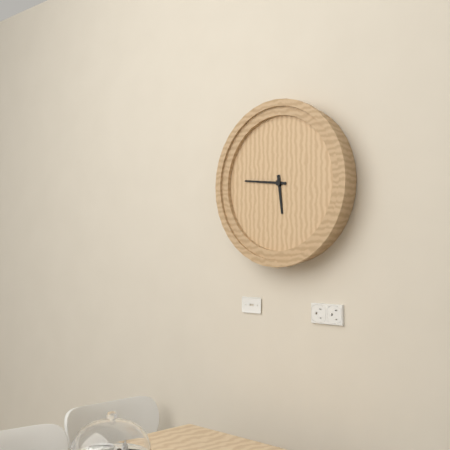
5:46
